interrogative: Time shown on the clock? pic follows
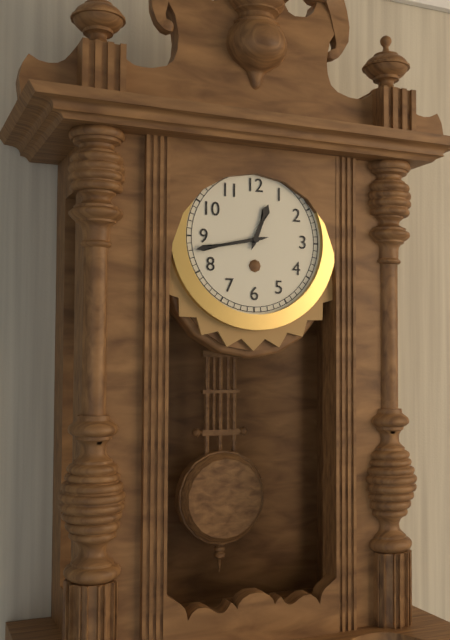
12:43
